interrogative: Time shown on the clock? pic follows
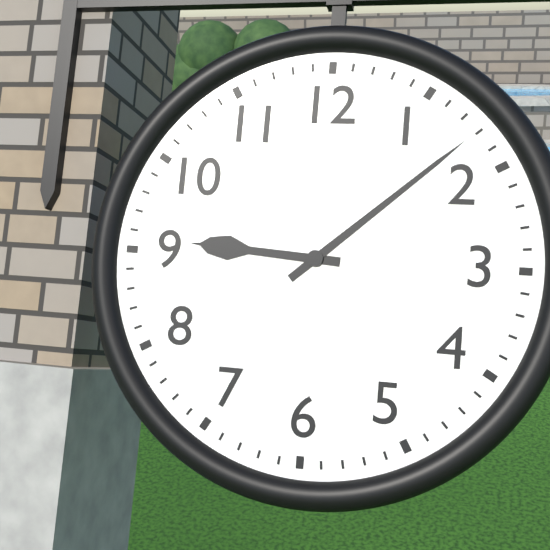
9:08
